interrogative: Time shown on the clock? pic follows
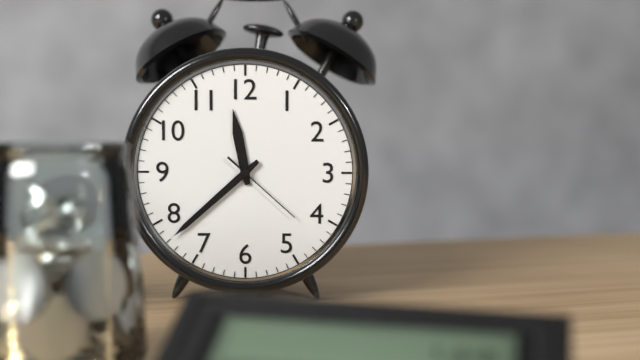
11:38:22
